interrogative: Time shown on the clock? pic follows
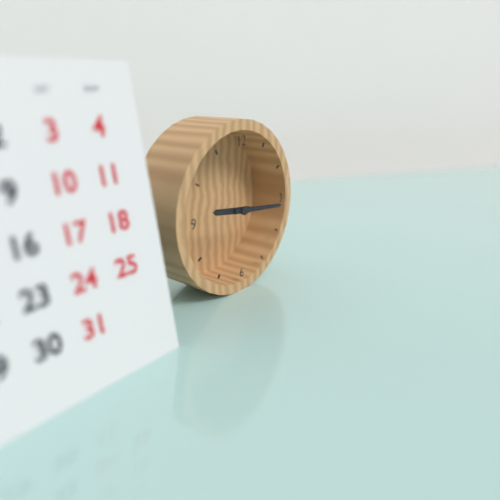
9:16
